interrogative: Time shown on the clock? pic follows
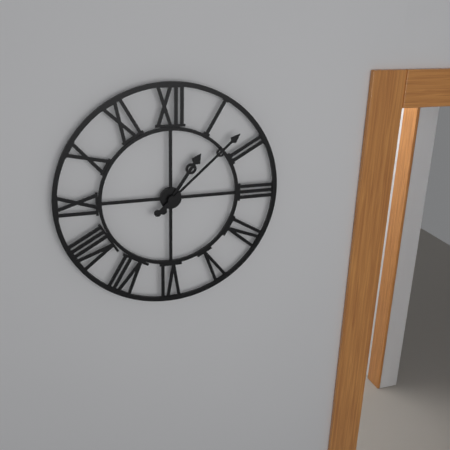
1:08
